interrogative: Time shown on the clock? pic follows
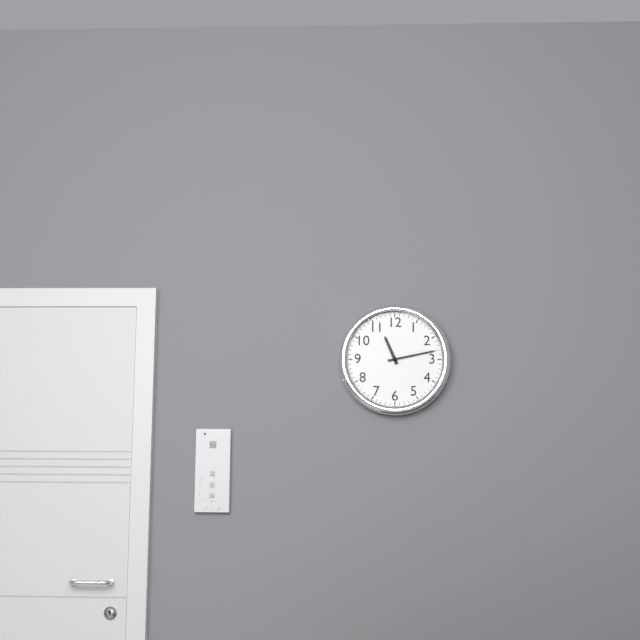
11:13
